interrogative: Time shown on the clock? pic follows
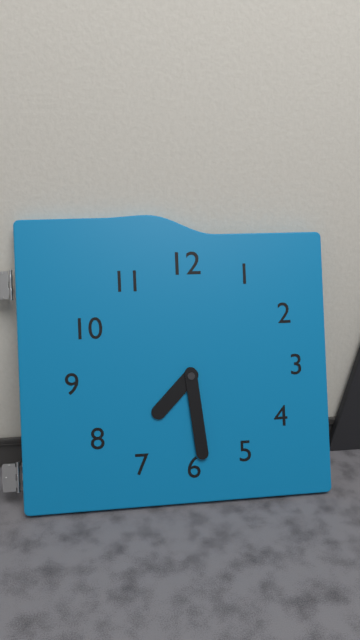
7:29
